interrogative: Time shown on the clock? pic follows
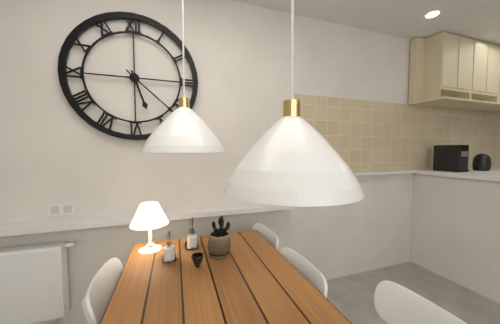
5:22
